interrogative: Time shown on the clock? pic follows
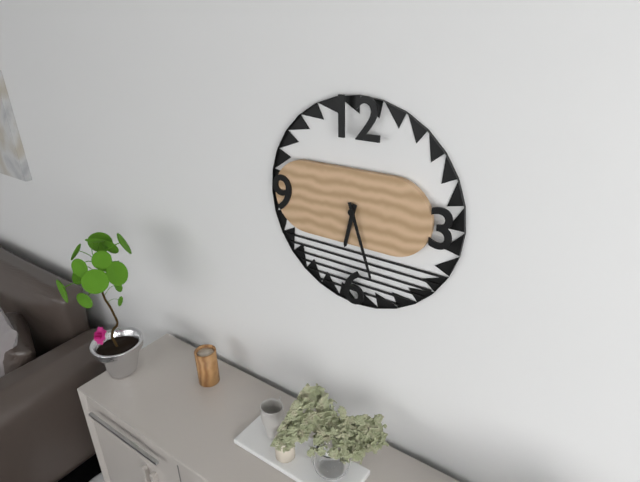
6:27
